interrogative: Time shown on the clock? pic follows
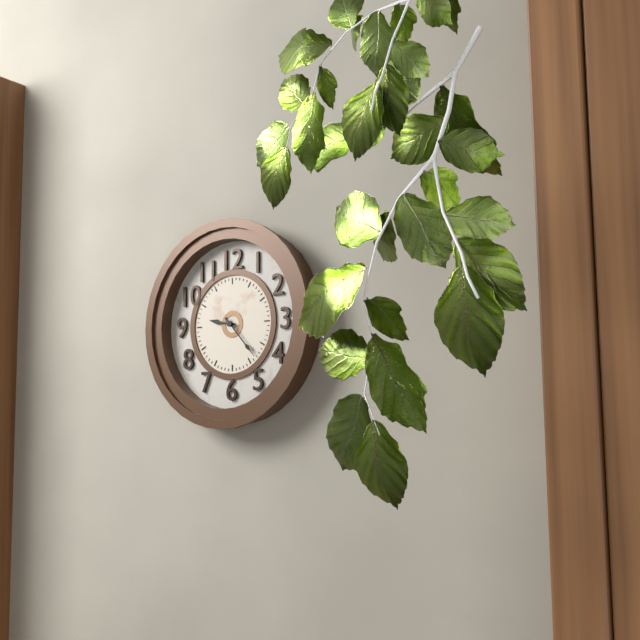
9:23
